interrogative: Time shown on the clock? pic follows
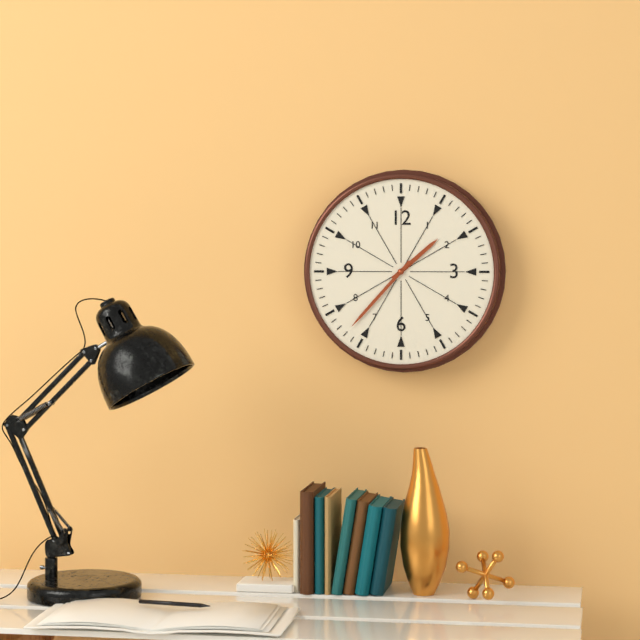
1:37
